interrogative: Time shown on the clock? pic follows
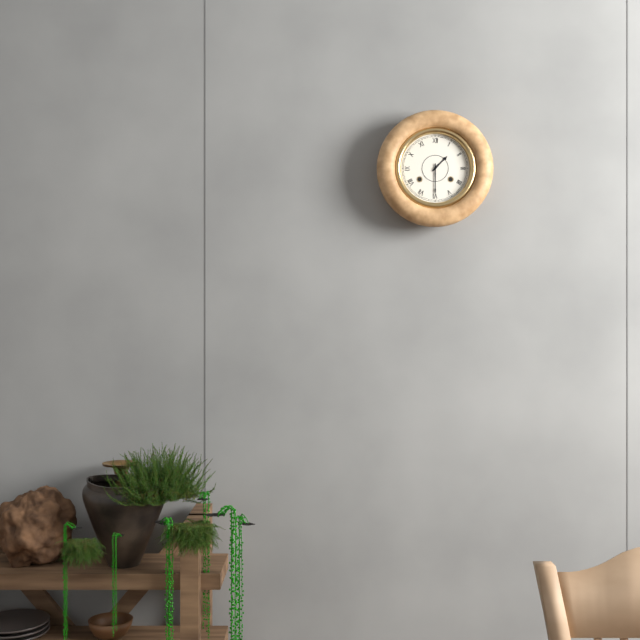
1:30
